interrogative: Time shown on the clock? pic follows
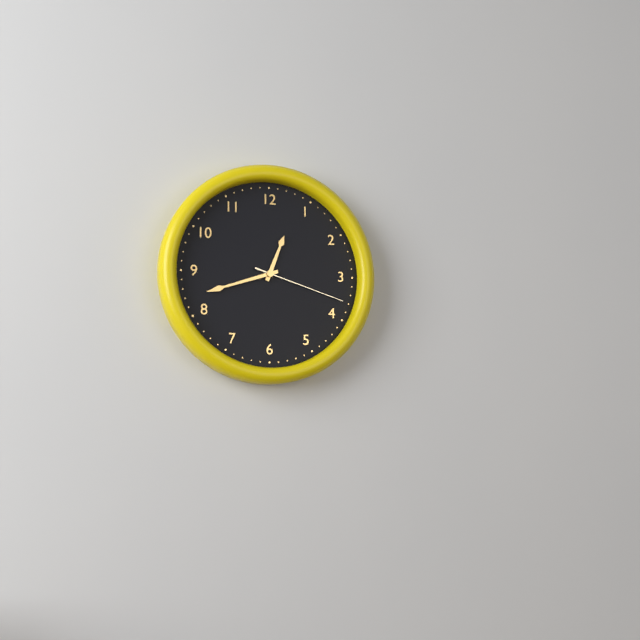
12:42:18
